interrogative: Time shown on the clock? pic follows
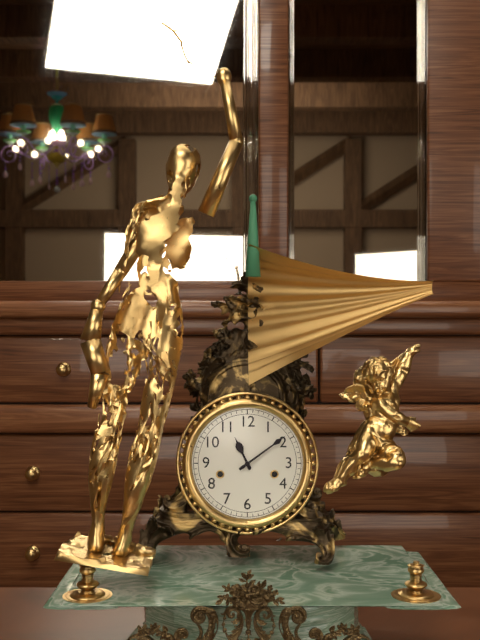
11:09
